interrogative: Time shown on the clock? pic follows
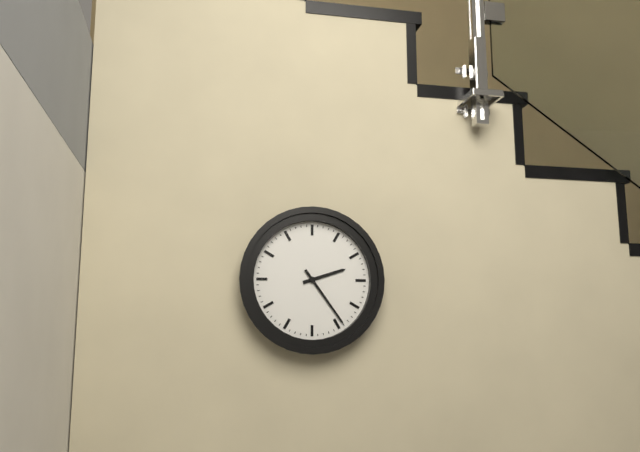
2:24
